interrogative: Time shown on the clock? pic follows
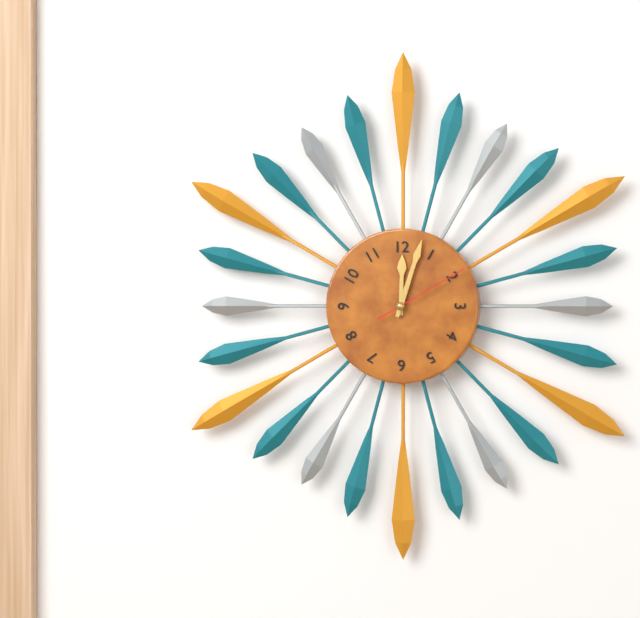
12:03:10
